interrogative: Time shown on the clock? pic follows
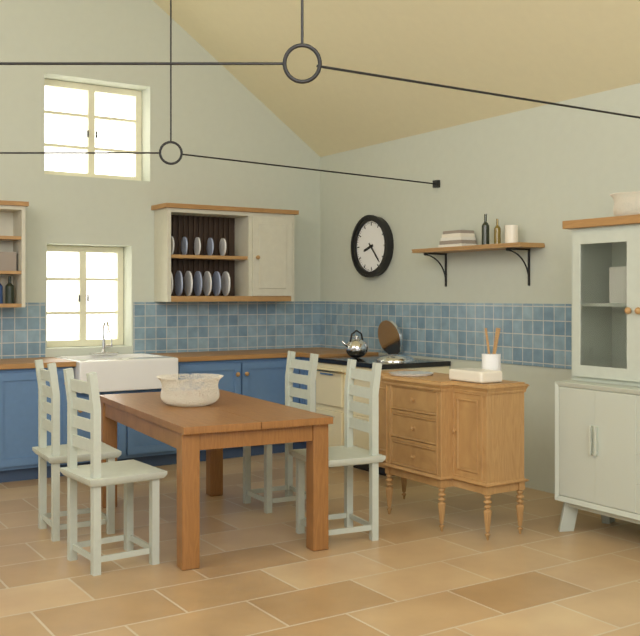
8:23
